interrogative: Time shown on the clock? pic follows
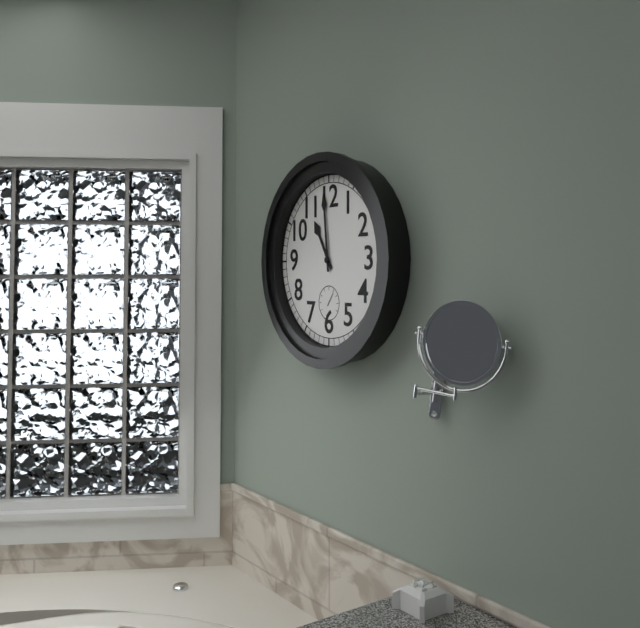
10:59
